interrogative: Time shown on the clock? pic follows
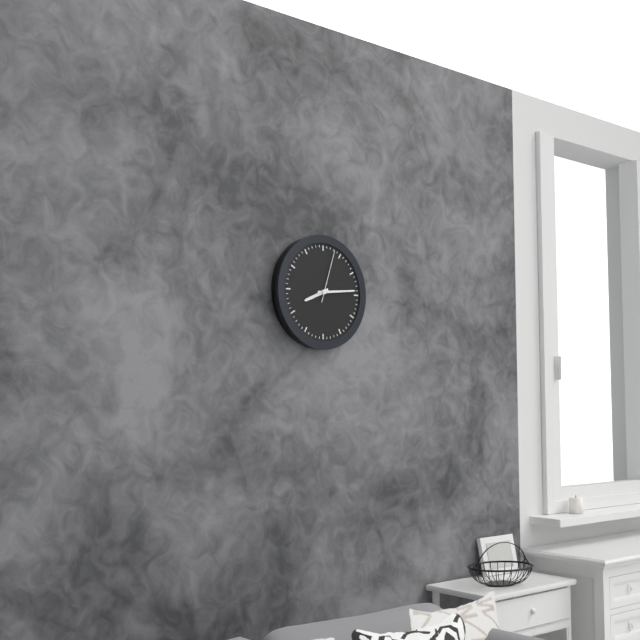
8:14:03
